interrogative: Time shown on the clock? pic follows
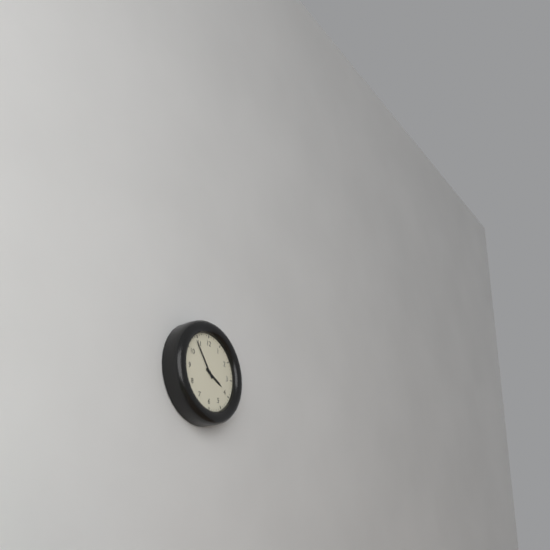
3:54
